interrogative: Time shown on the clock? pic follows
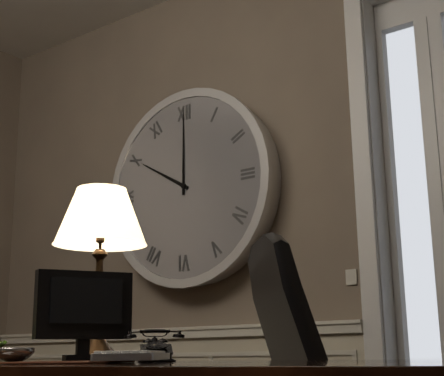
10:00
